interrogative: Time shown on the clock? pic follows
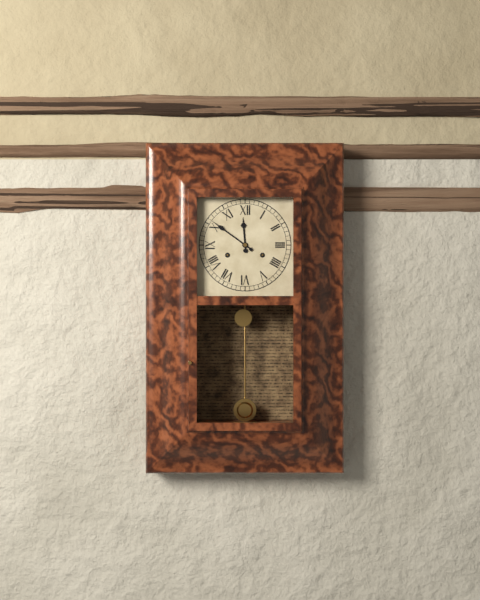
11:51
